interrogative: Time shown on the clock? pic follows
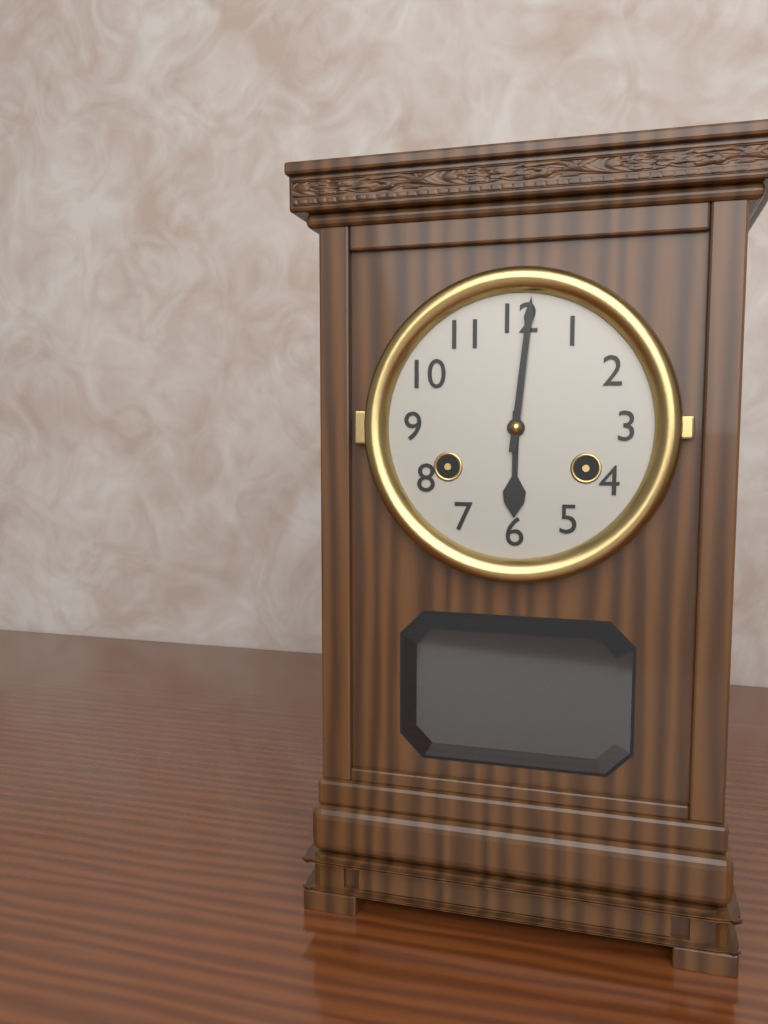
6:01
